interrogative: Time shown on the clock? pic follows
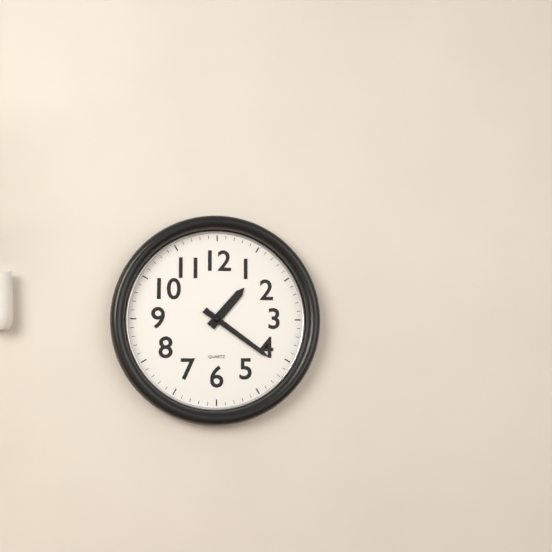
1:21
